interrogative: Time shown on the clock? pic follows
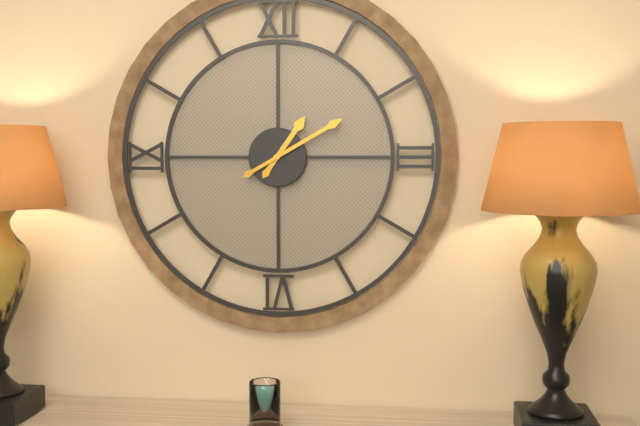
1:10
